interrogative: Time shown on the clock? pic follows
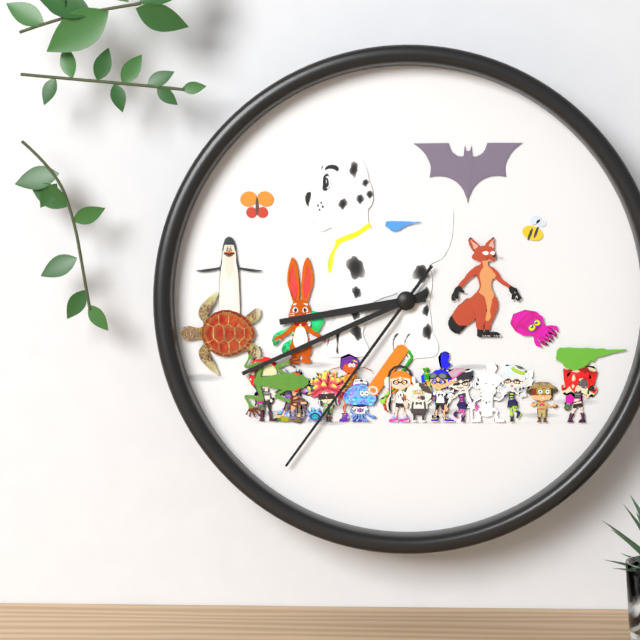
8:41:36
